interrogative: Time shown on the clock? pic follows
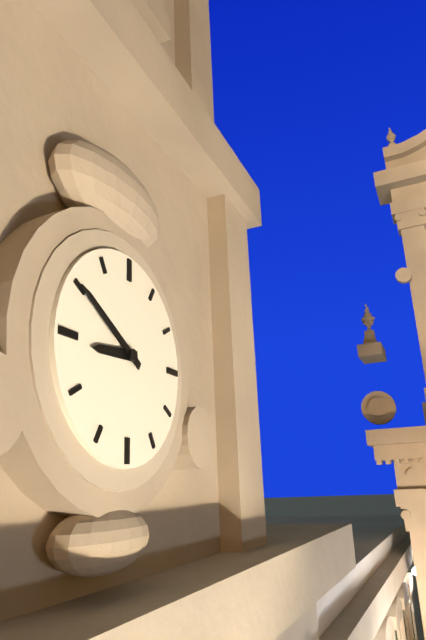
8:50
